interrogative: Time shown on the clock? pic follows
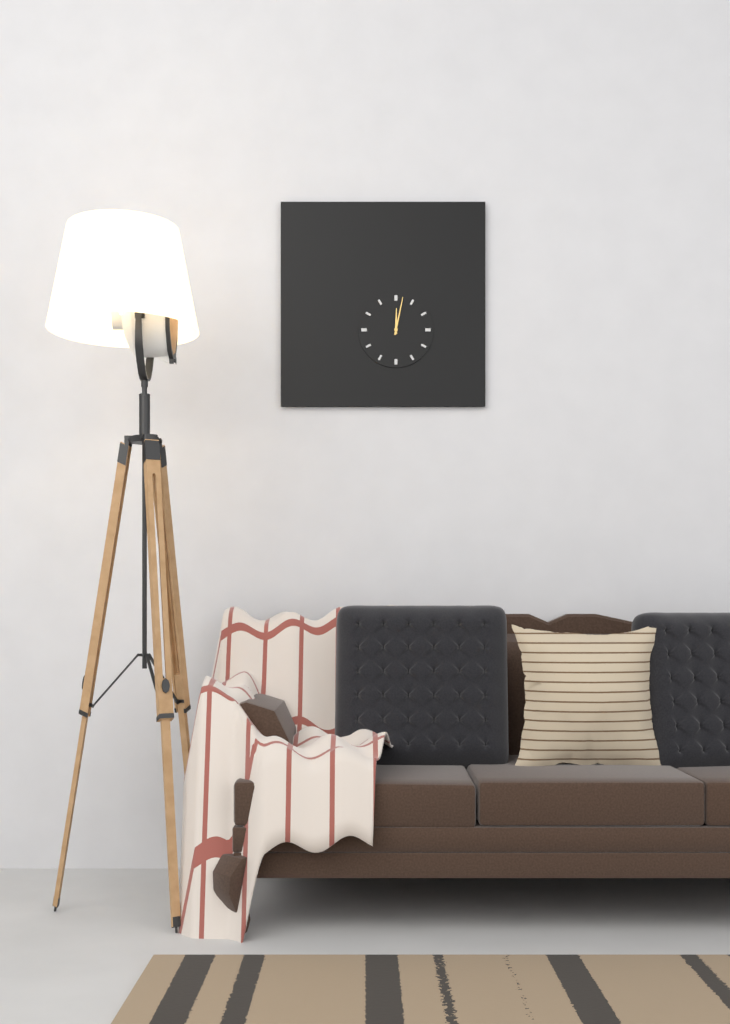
12:02
